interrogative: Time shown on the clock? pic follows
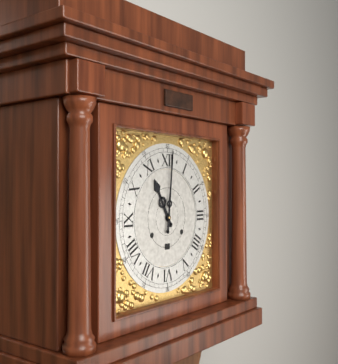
11:01
